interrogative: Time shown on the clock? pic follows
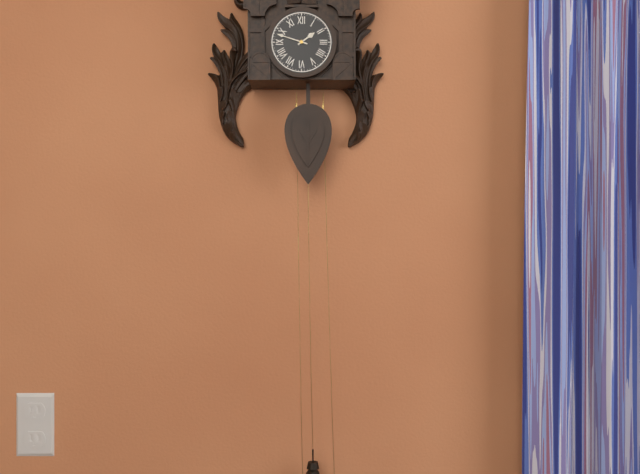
1:48
